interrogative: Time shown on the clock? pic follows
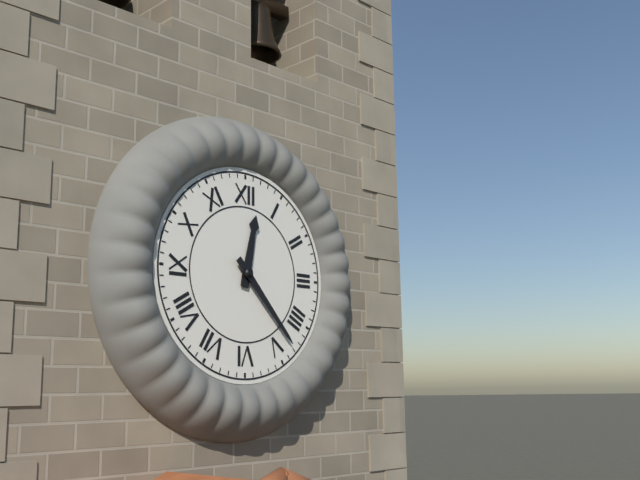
12:23
